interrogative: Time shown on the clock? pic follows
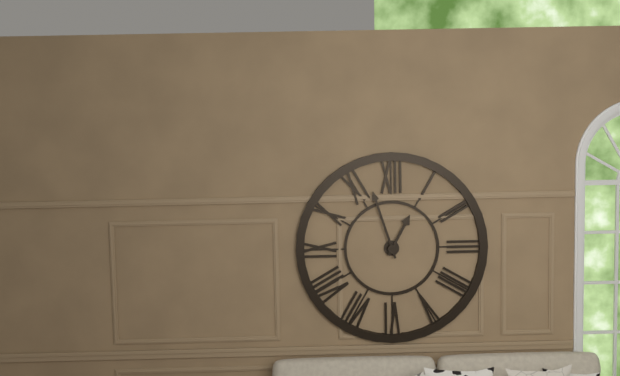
12:57
